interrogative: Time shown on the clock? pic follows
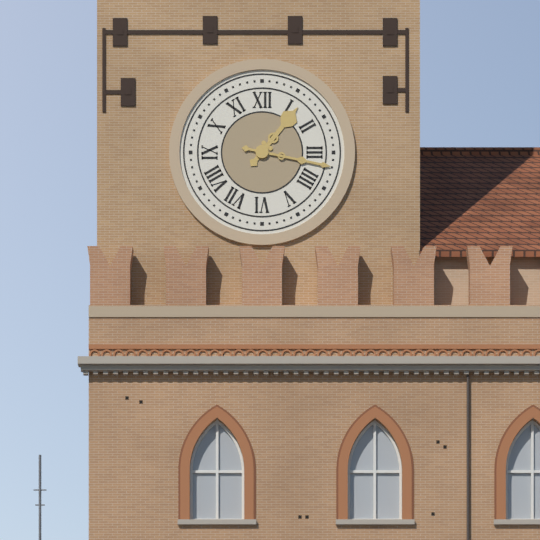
1:17
